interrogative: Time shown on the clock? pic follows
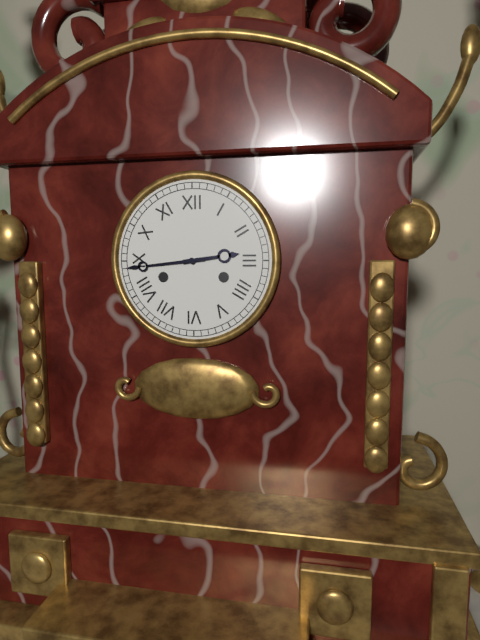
2:44
